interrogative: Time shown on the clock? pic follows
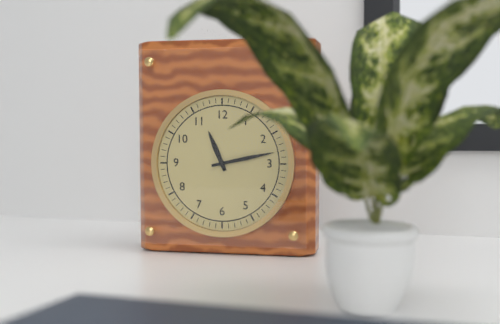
11:13
